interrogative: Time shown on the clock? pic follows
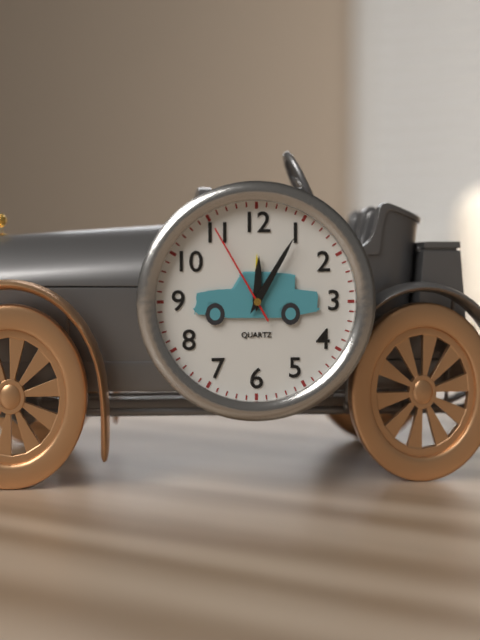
12:05:55
